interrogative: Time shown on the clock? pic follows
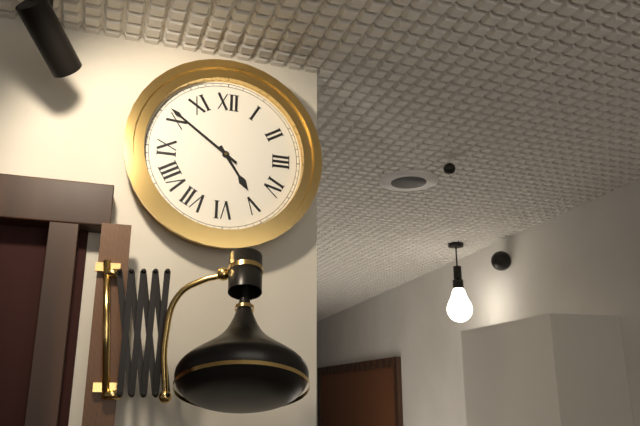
4:51
